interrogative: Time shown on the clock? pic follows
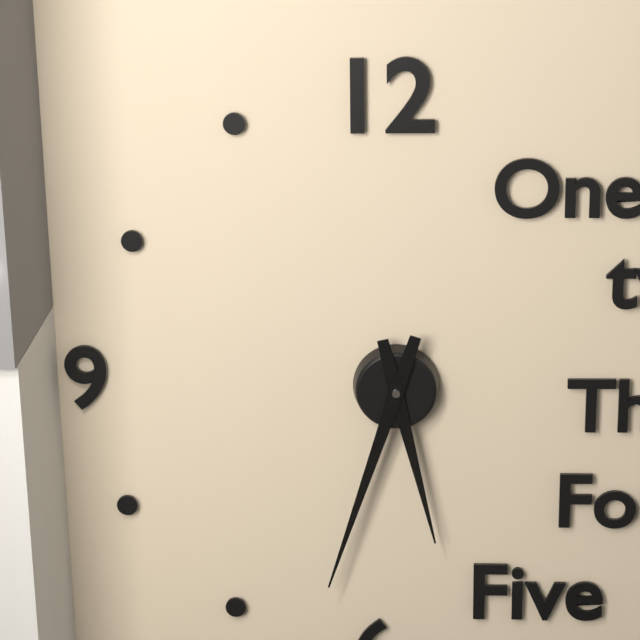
5:33
